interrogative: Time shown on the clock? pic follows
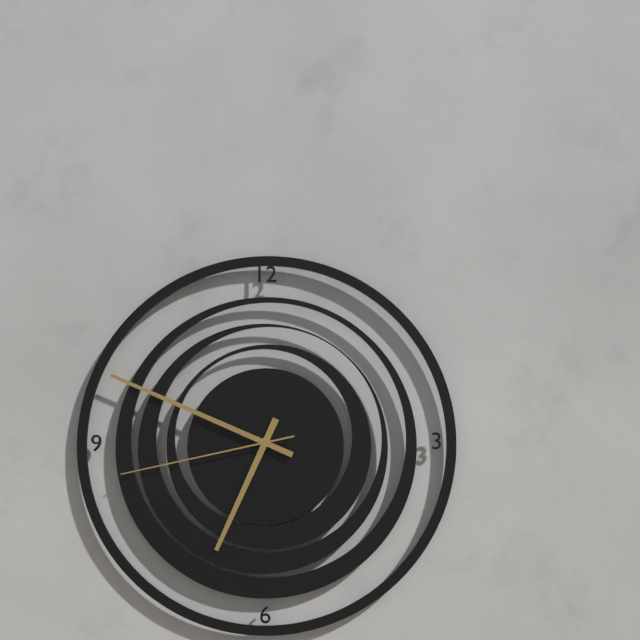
6:49:43
